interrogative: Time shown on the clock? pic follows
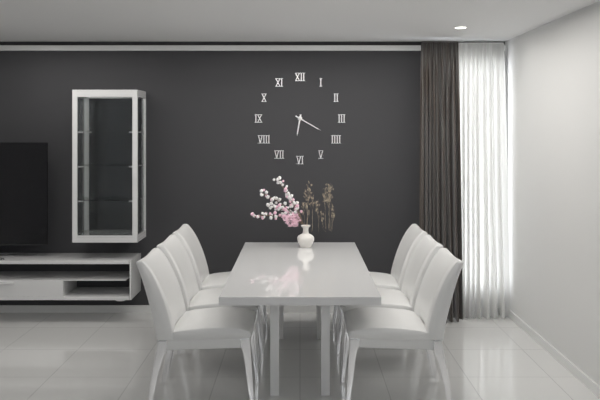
6:20
